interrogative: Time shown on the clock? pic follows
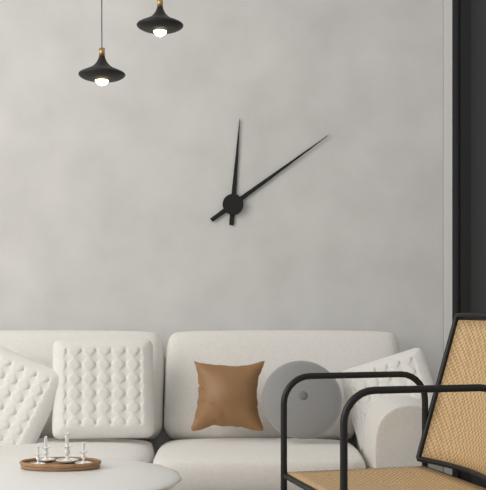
12:09
